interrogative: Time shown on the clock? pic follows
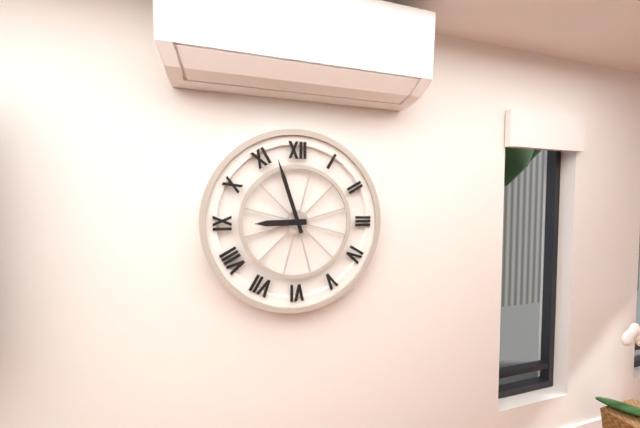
8:57
